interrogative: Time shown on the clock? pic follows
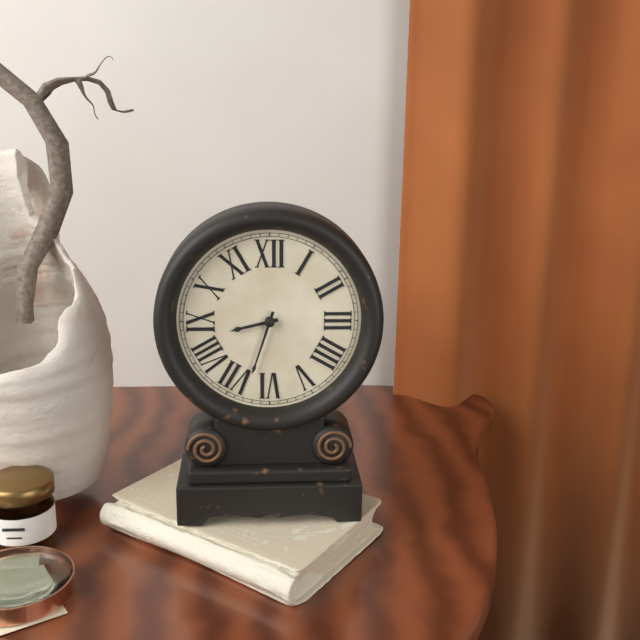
8:33
